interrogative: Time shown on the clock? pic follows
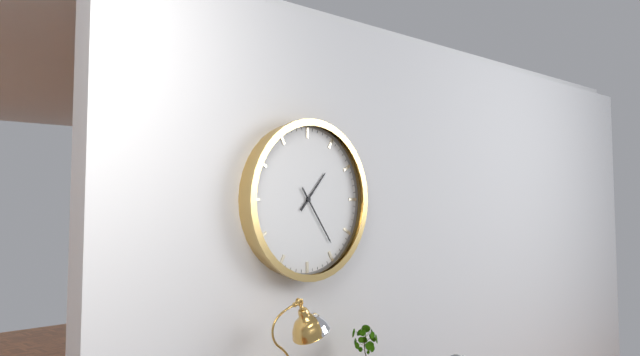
1:24
